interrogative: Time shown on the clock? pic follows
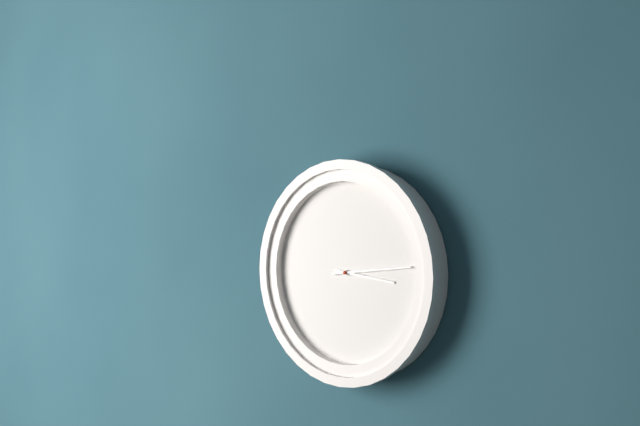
3:14
